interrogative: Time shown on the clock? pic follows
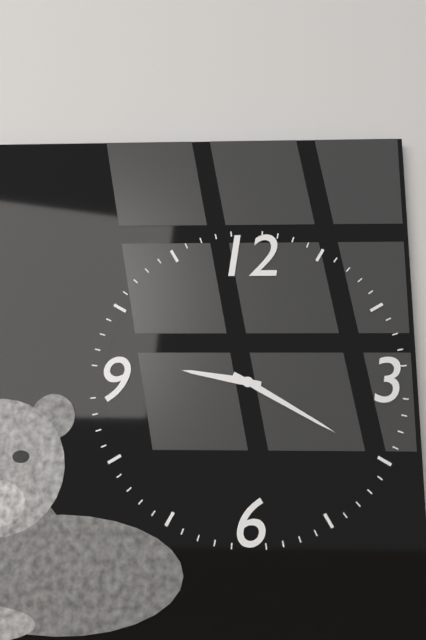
9:20
